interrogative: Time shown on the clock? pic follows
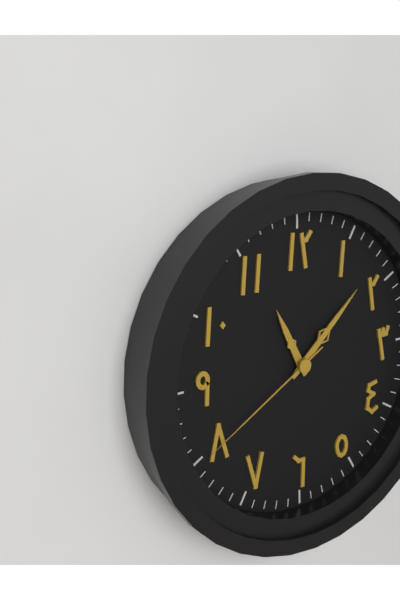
11:08:40
